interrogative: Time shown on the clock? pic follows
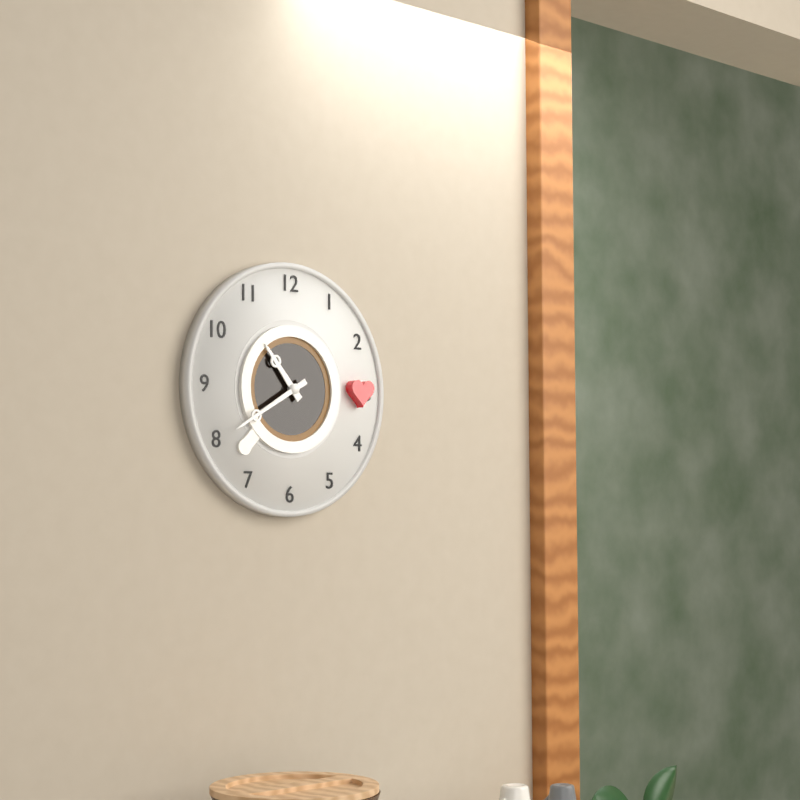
10:40
